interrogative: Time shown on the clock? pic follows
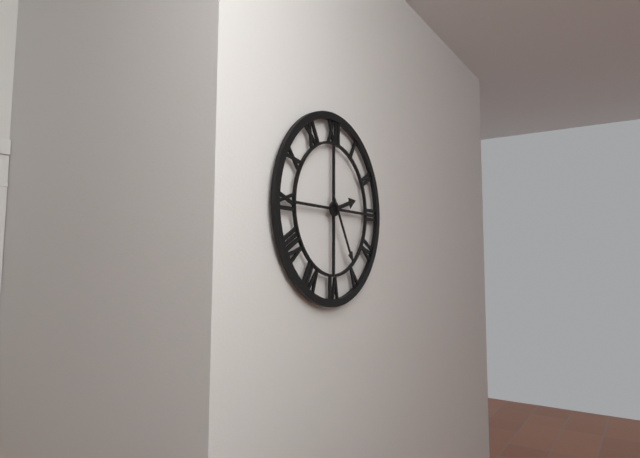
2:25
